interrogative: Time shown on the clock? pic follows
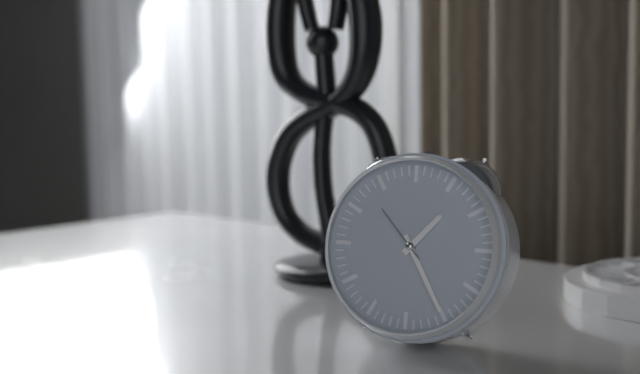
1:25:53
